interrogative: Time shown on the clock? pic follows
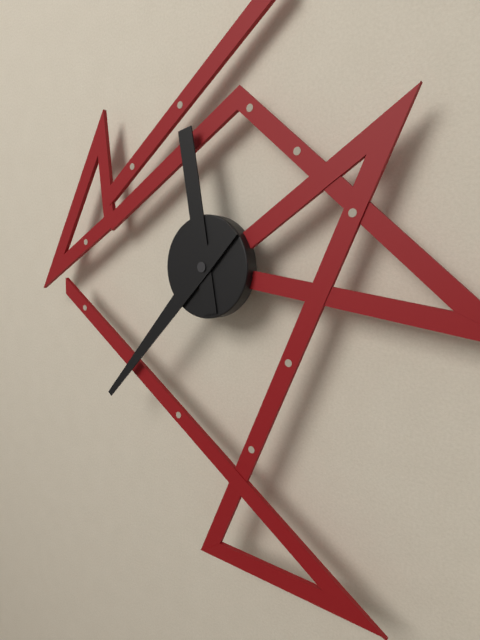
11:37
